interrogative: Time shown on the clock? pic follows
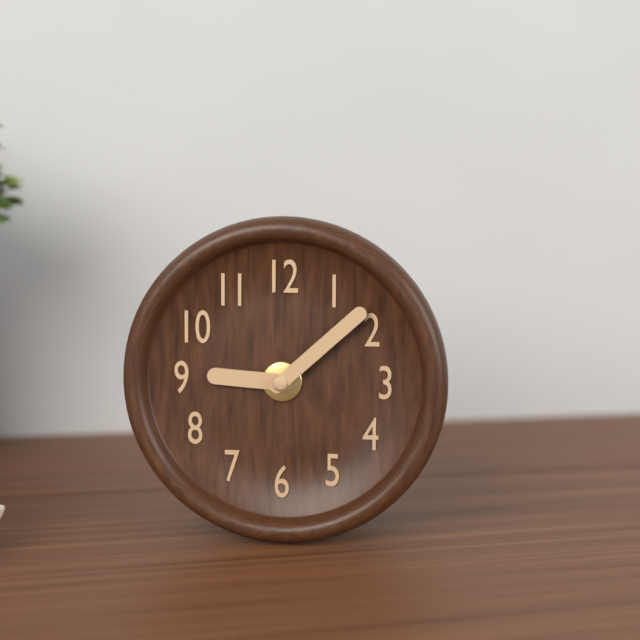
9:08
